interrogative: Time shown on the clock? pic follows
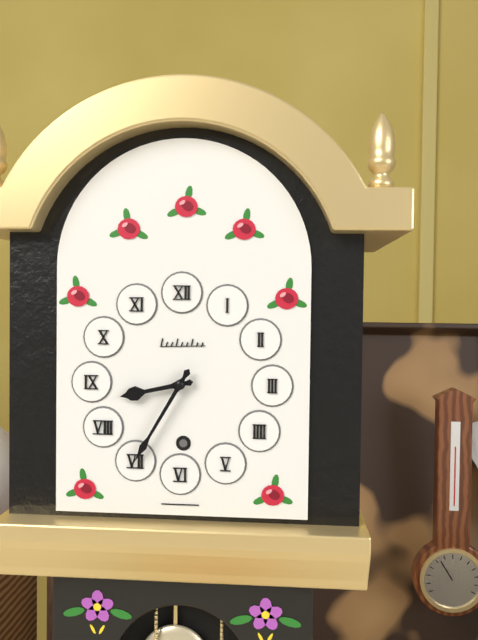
8:35
